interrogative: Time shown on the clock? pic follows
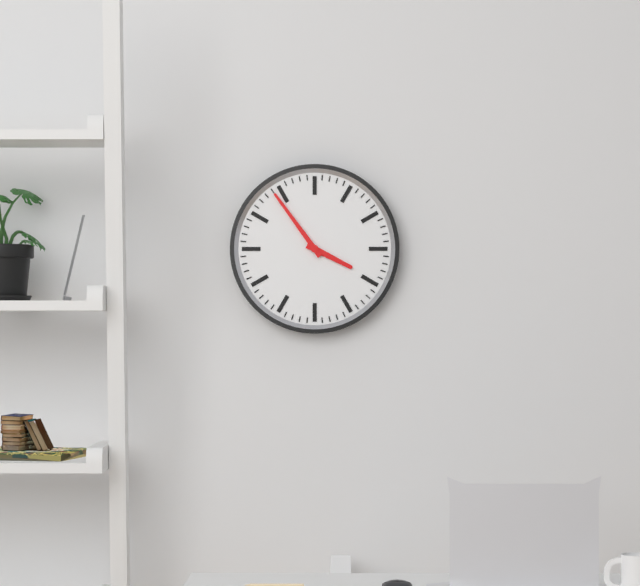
3:54
